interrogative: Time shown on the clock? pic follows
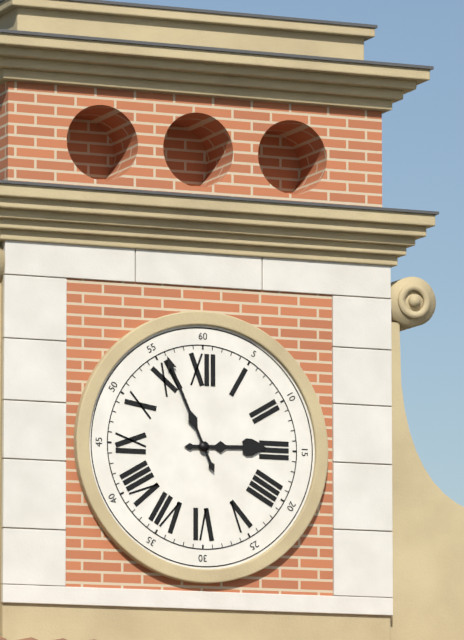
2:56
